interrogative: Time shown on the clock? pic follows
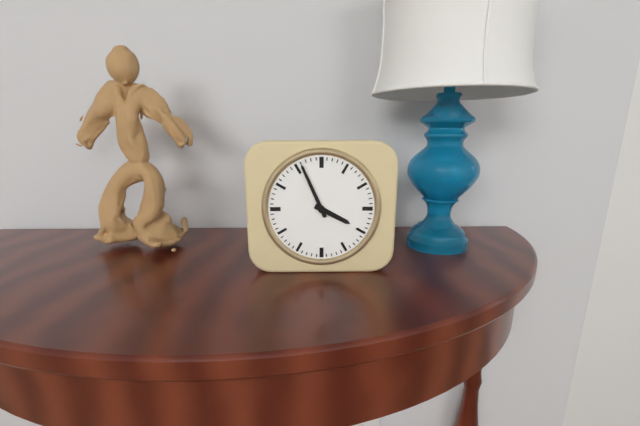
3:56
